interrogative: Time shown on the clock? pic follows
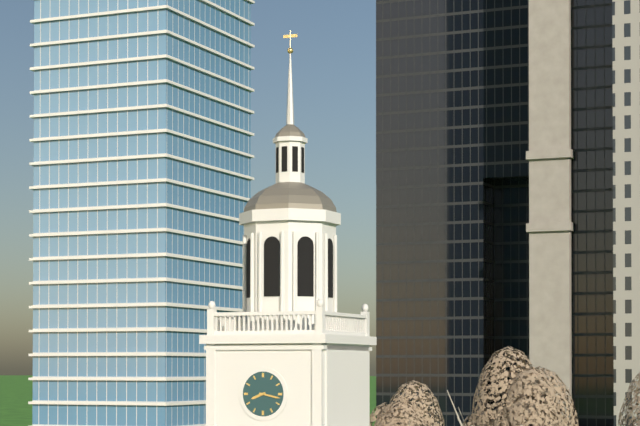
8:17
